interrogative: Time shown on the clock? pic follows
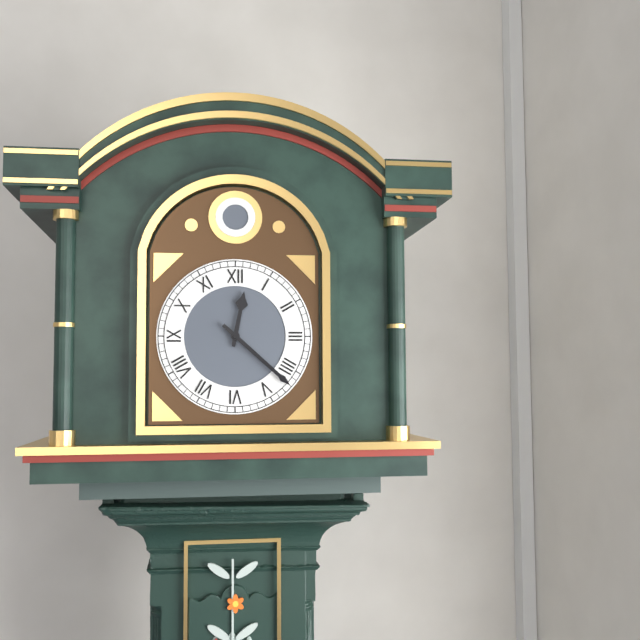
12:22
